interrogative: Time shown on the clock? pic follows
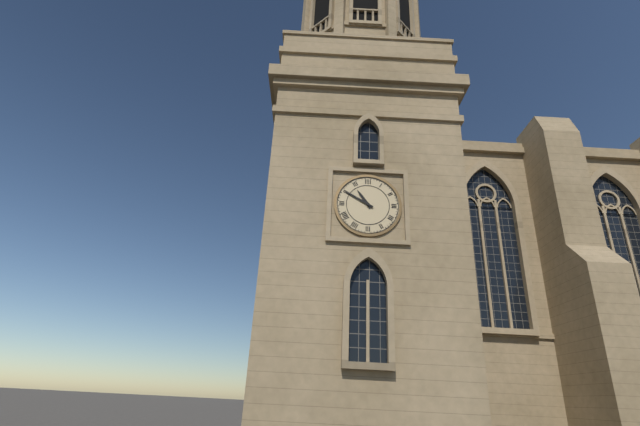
10:50
